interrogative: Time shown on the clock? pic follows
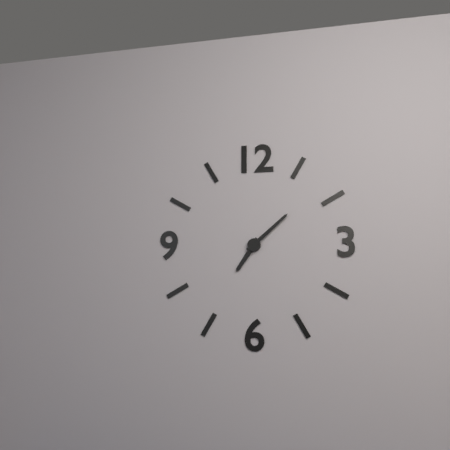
7:08
